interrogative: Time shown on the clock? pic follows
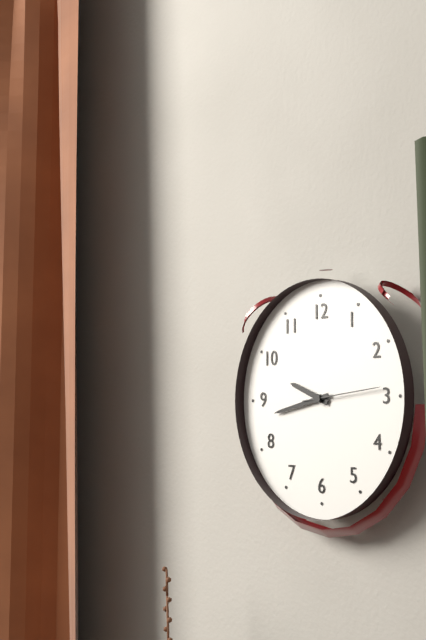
9:43:14
